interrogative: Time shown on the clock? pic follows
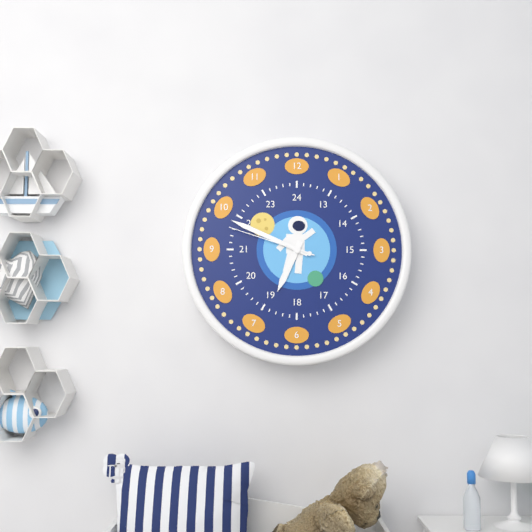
6:49:48
